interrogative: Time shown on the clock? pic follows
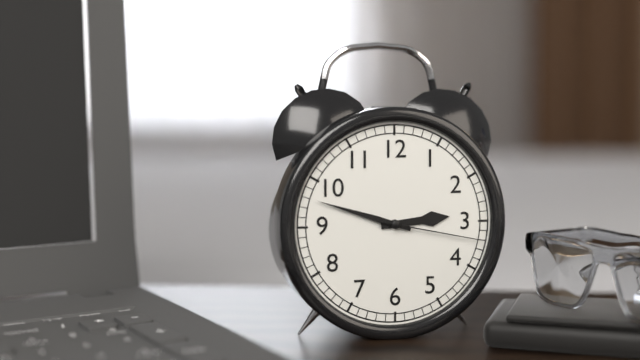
2:48:17
